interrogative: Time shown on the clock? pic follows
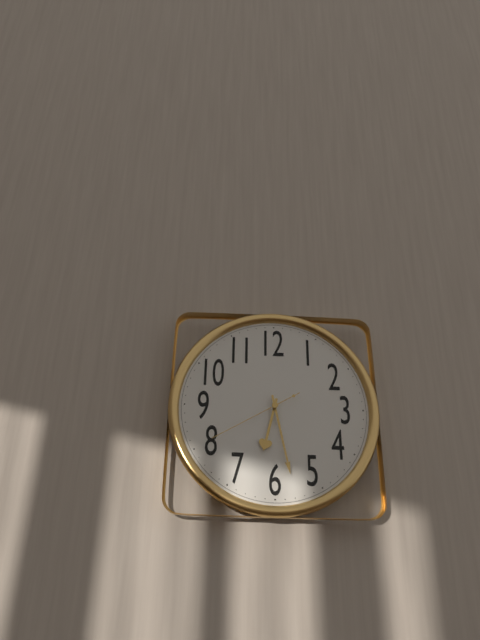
6:28:40
